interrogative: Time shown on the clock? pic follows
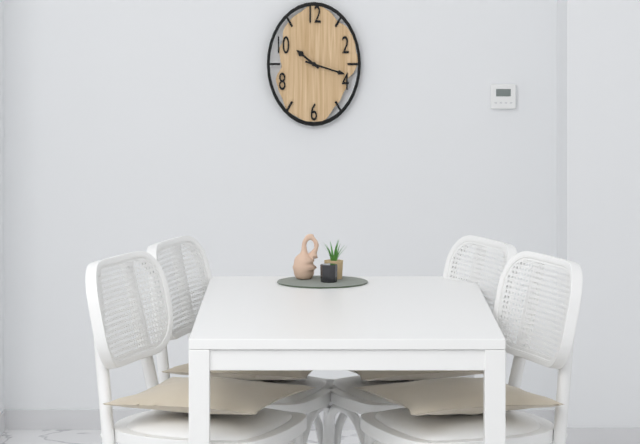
10:18
